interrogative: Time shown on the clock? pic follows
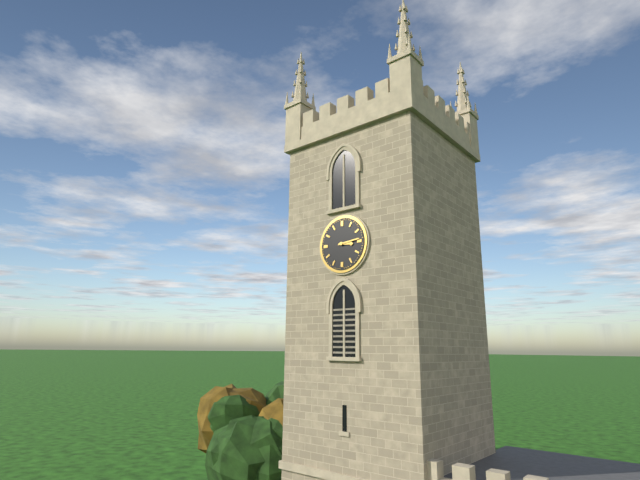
3:14
